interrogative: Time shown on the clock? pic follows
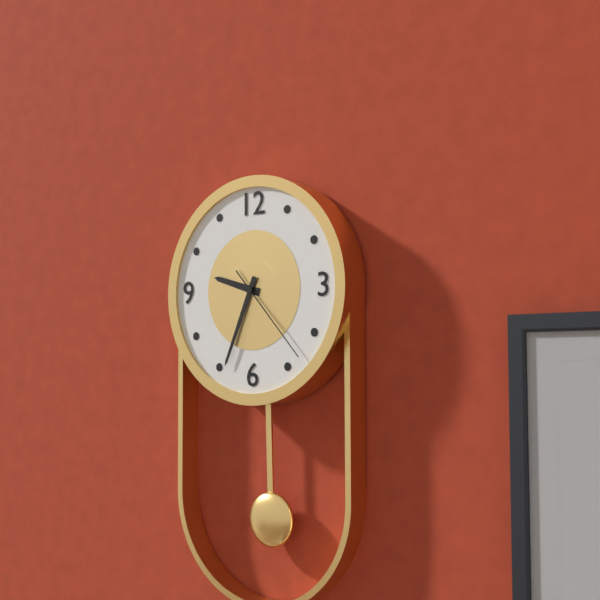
9:34:23
